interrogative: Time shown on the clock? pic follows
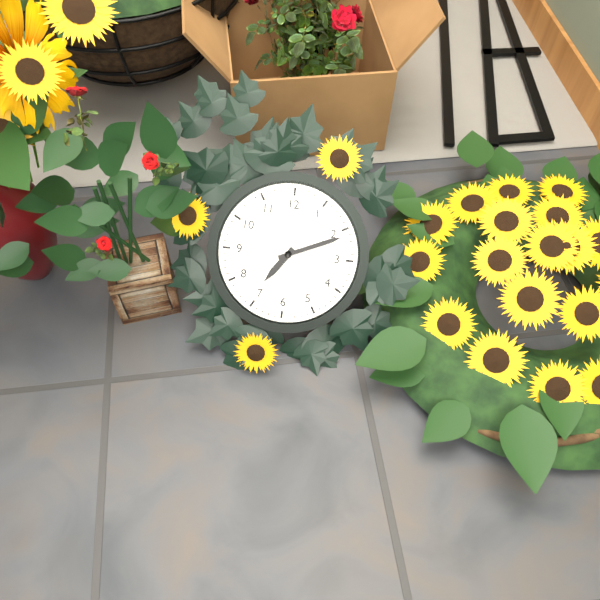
7:11
